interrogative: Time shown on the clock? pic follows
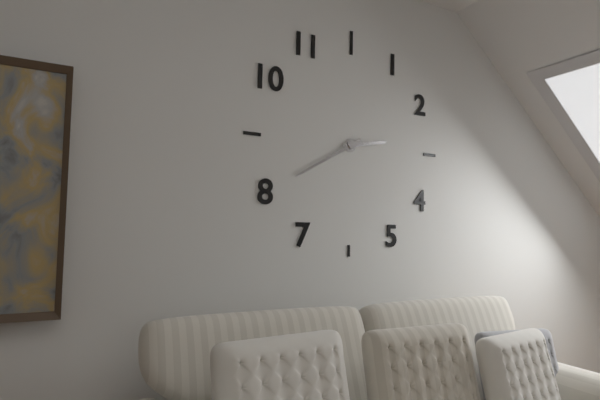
2:40
